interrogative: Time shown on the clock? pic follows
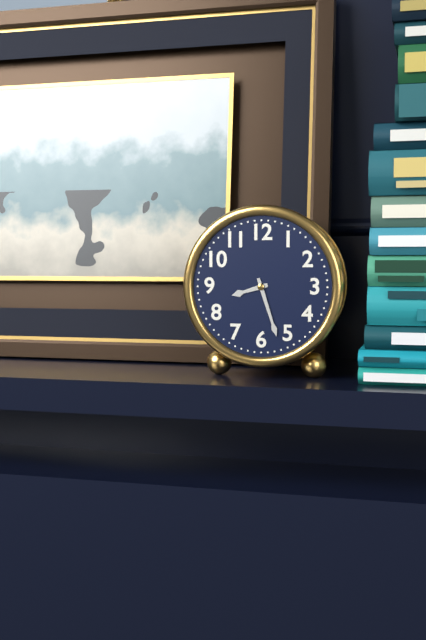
8:27
